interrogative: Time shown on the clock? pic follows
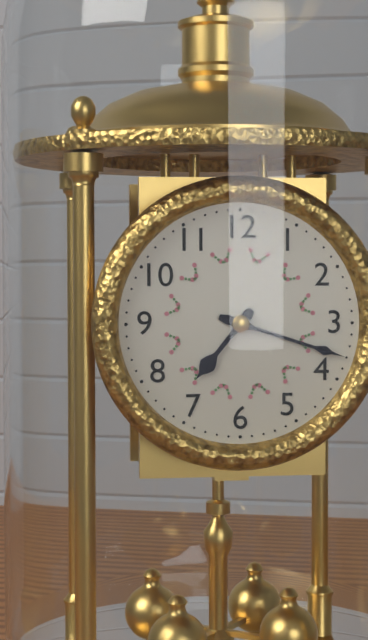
7:18
